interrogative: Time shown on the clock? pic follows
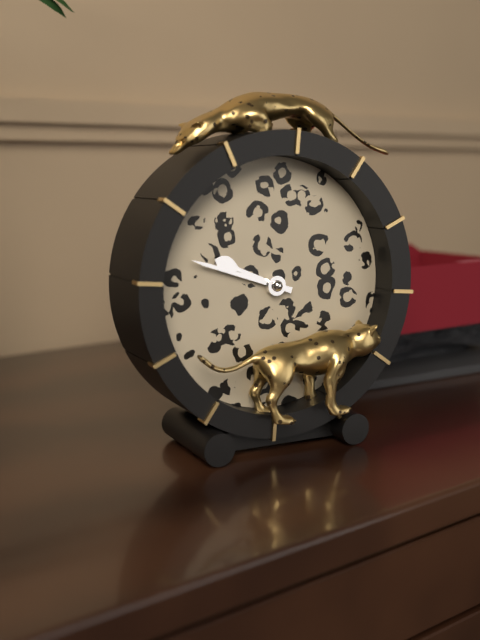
9:48
